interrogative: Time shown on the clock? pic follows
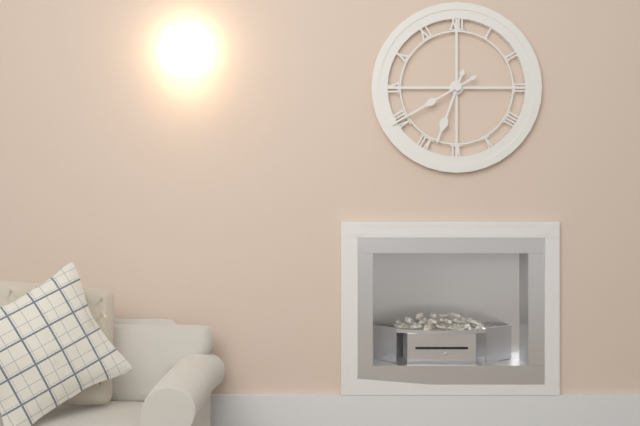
6:40
